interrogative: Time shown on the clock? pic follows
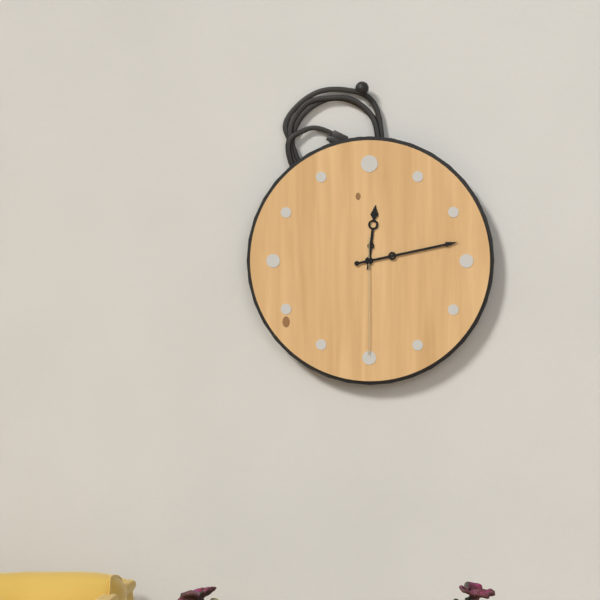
12:13:30
